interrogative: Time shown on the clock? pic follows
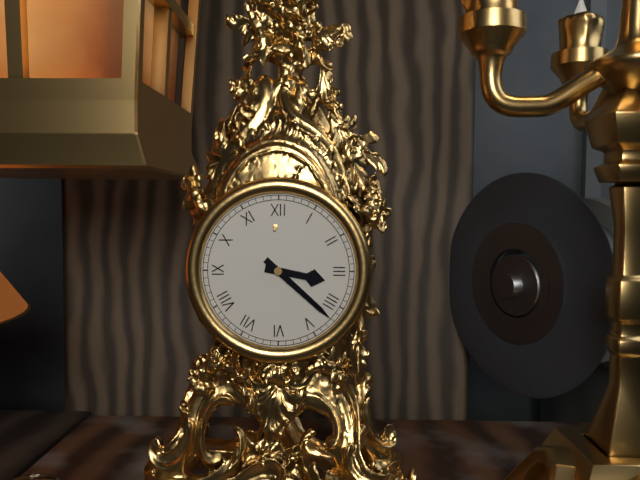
3:22
